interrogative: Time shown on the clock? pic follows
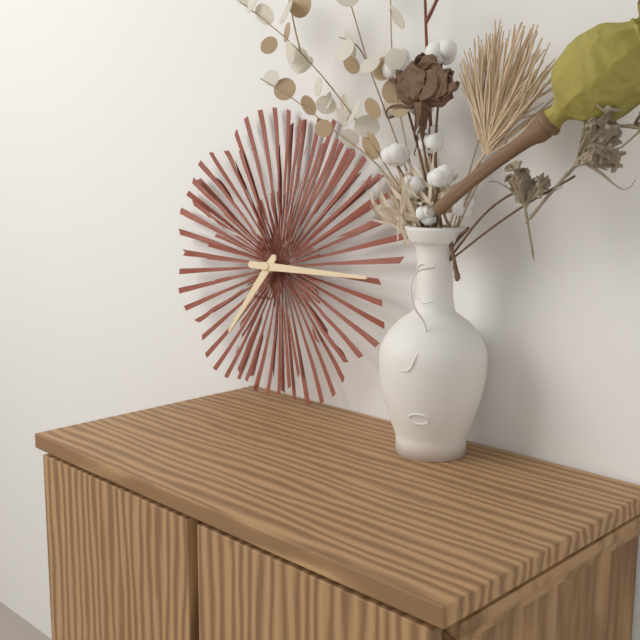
7:15
